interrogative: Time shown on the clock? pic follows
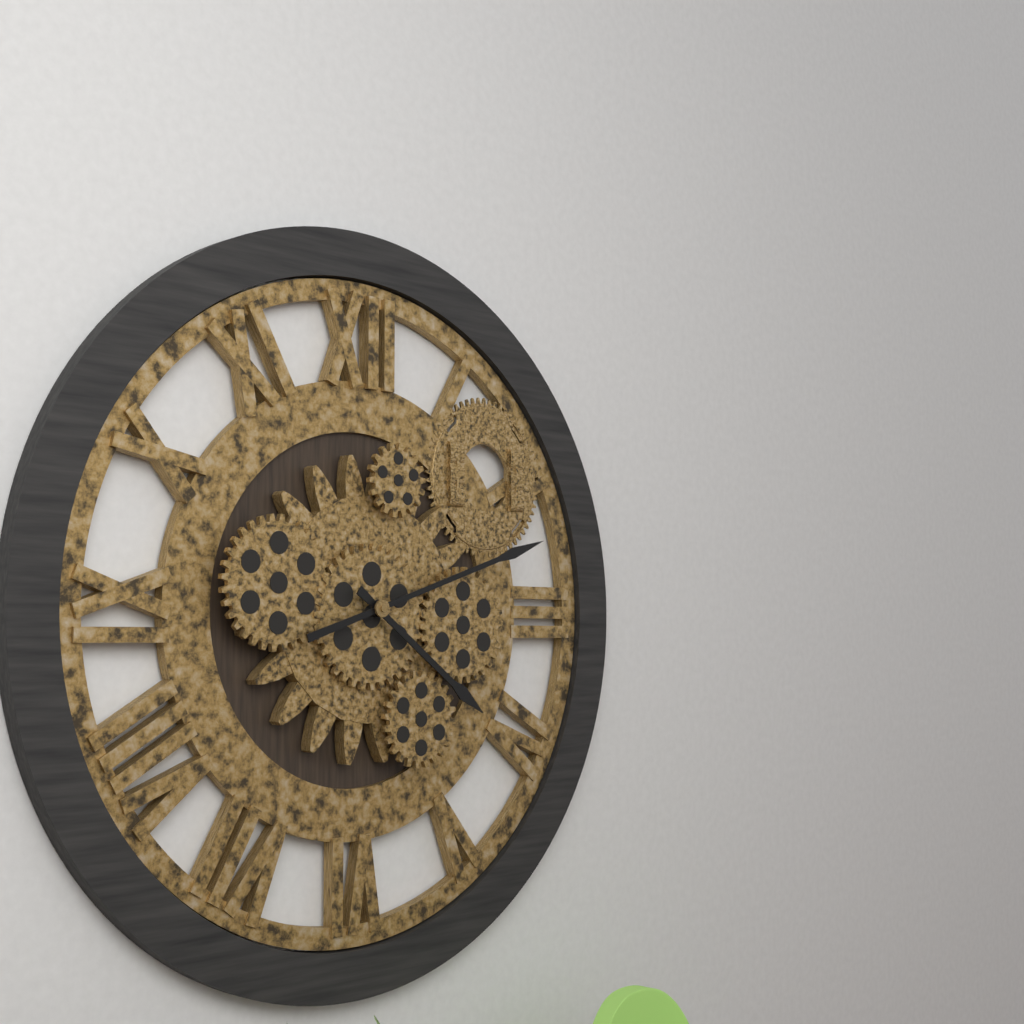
4:12
